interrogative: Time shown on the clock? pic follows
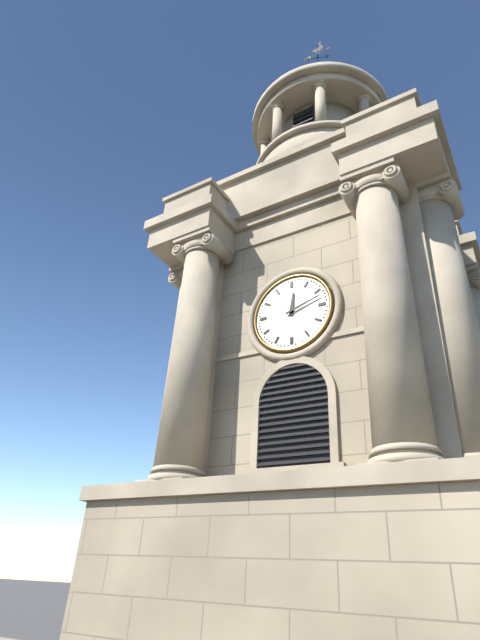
12:12
